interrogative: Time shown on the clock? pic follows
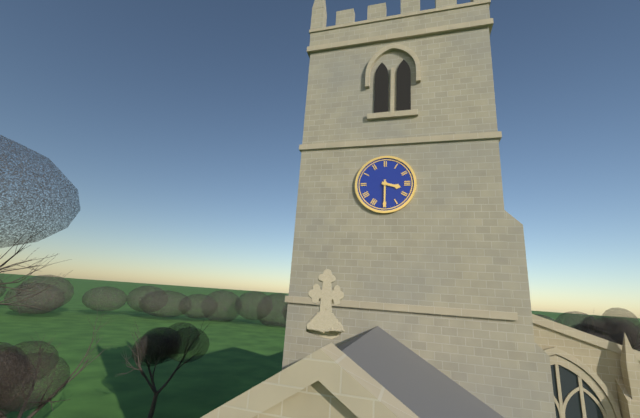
3:30
